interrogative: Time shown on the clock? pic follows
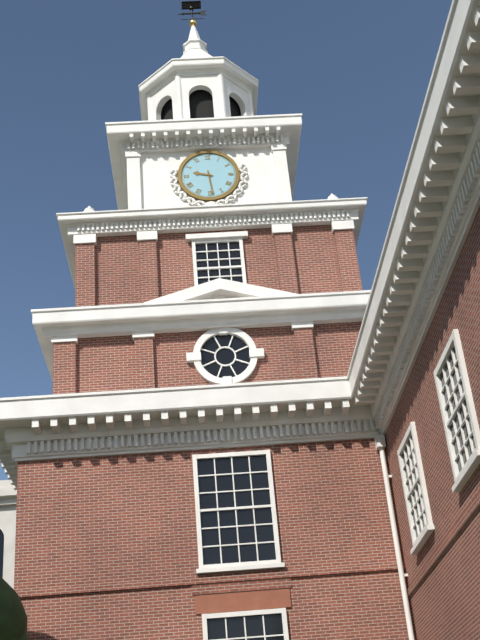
9:29
